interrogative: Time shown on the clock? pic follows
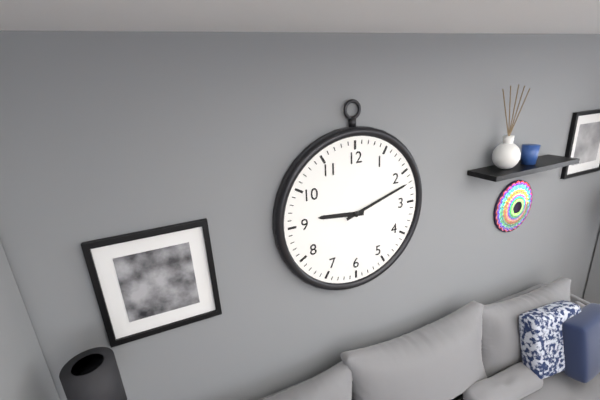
9:12
